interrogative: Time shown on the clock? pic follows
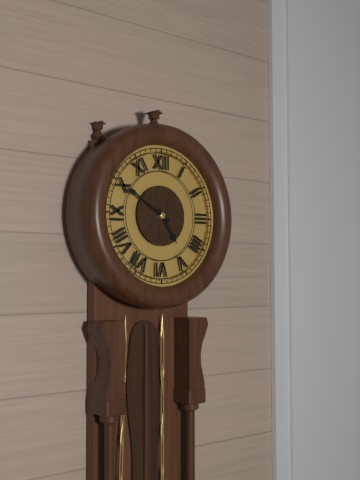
4:50
